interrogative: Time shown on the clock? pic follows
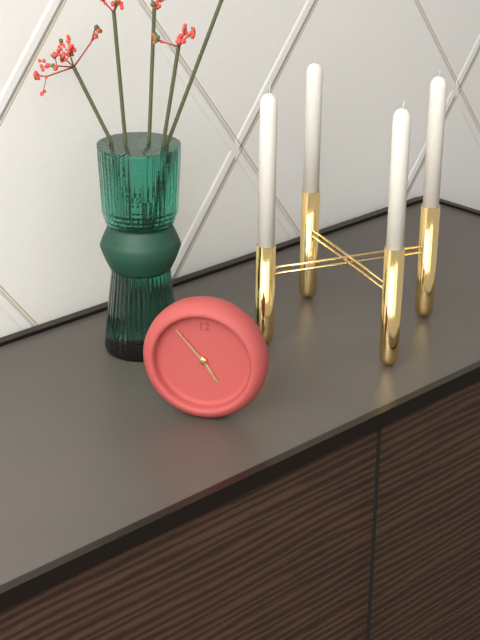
4:53
